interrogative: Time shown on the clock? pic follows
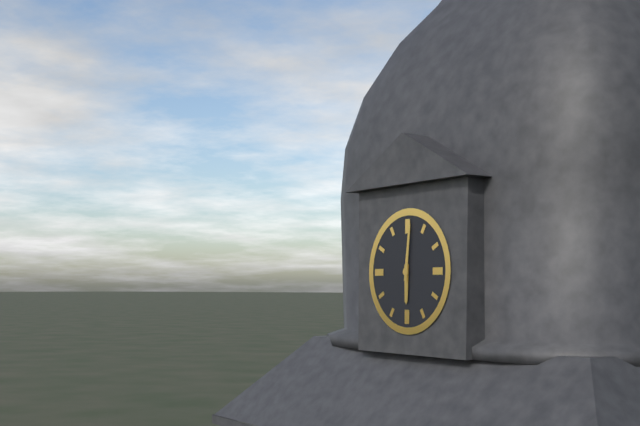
6:01
